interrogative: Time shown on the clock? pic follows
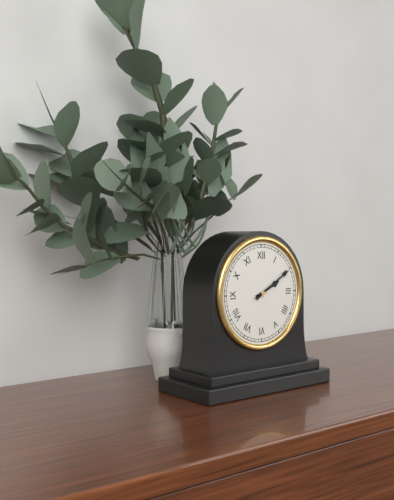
2:10
